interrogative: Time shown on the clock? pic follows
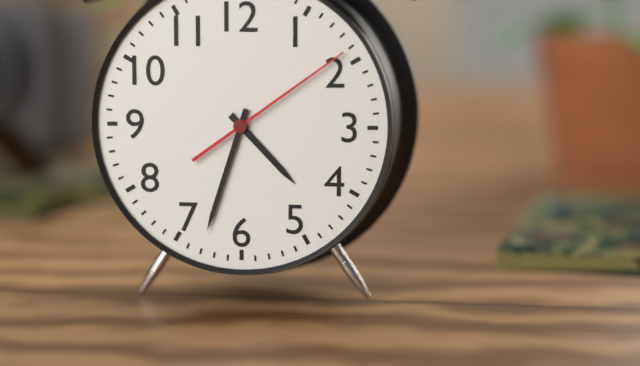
4:33:09
